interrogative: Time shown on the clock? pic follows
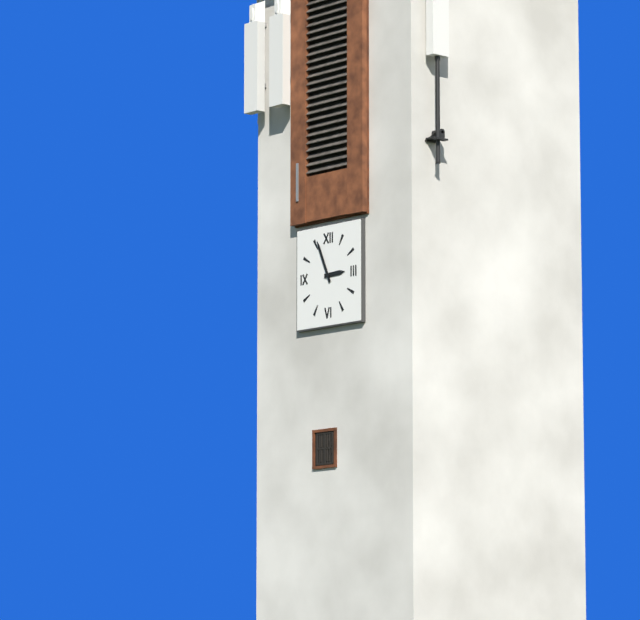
2:56
